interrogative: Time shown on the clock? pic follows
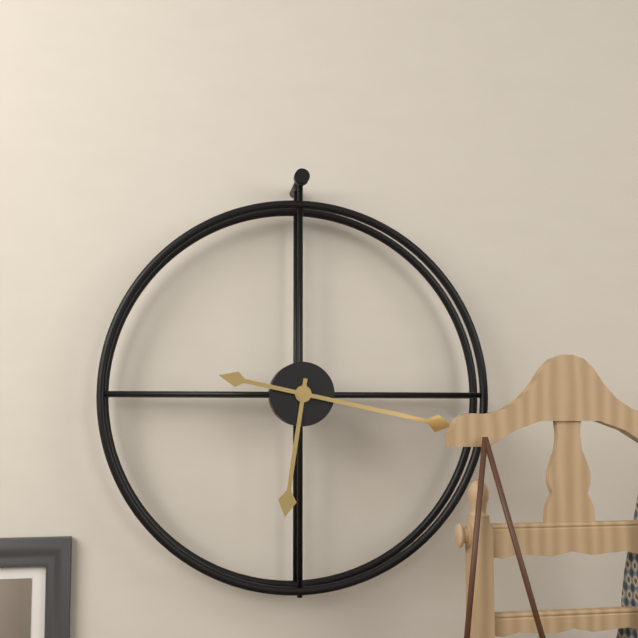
6:17
